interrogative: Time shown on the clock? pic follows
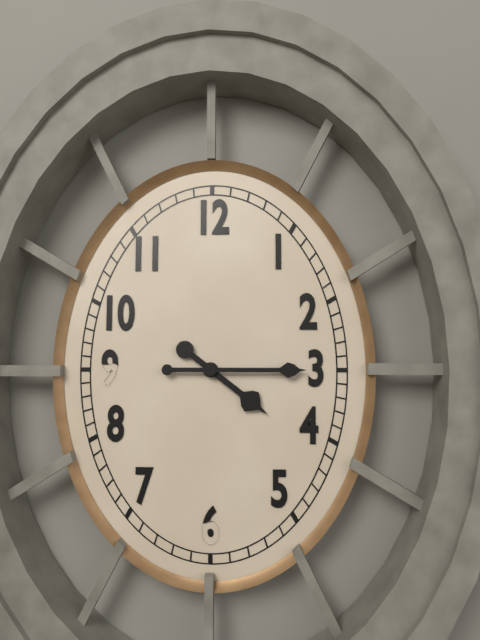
4:15
